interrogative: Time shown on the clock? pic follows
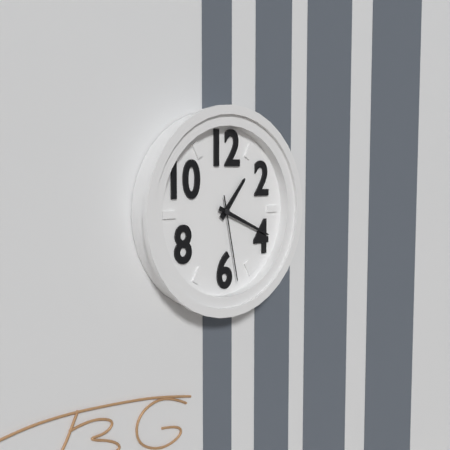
1:19:28
